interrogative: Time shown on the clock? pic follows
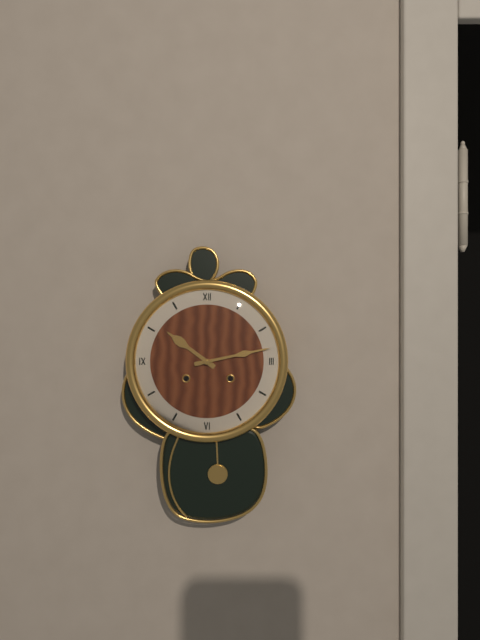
10:13
